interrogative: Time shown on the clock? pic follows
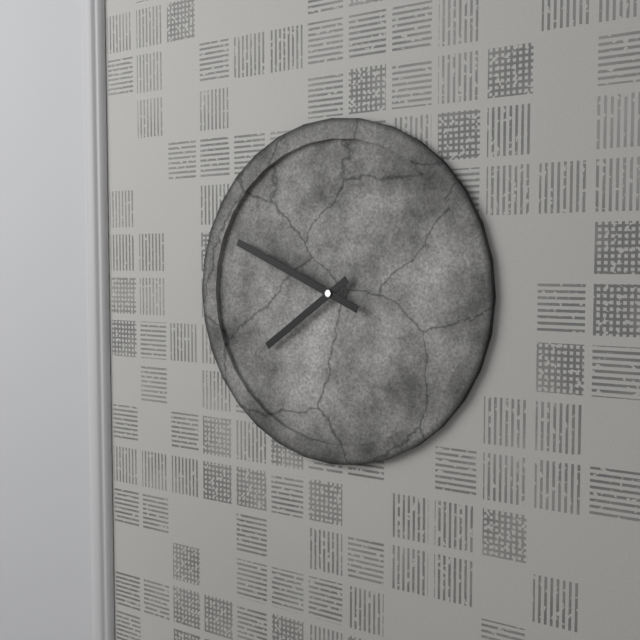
7:49
